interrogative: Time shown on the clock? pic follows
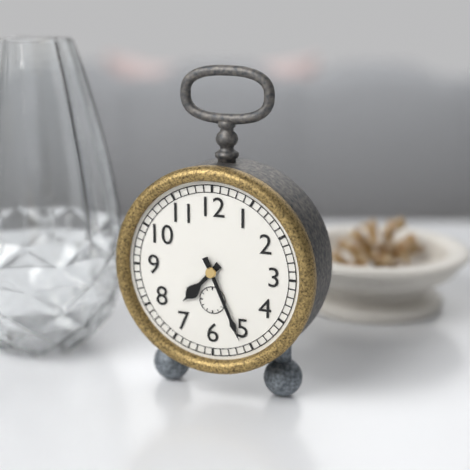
7:26
